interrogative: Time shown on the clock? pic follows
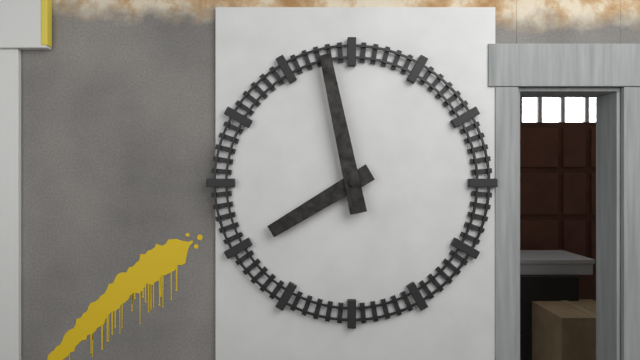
7:58
